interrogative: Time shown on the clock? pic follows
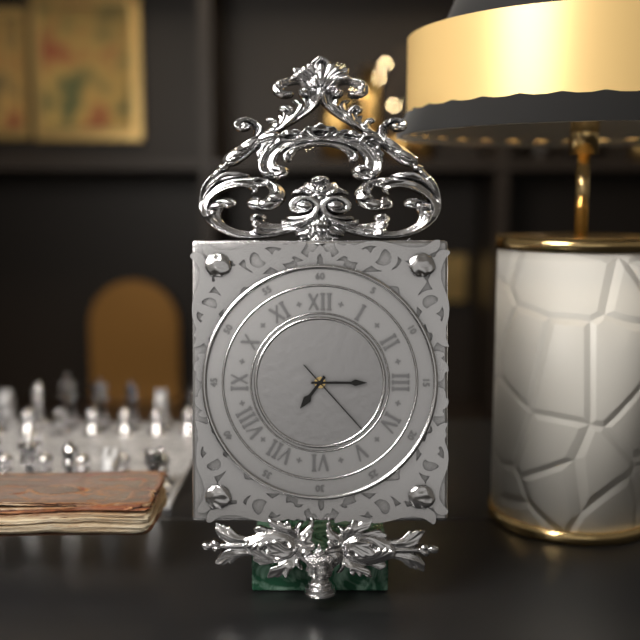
7:15:23
